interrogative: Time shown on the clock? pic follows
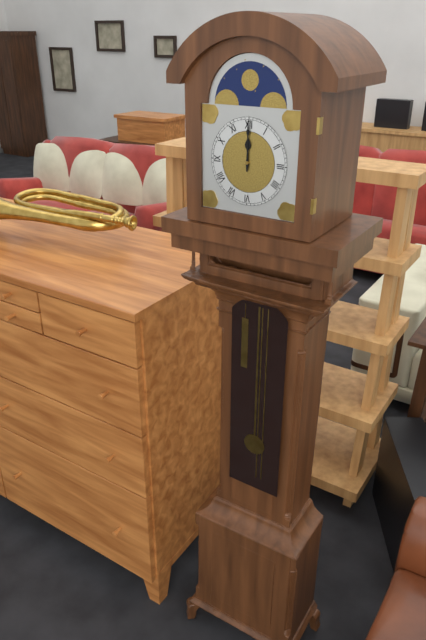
12:00
